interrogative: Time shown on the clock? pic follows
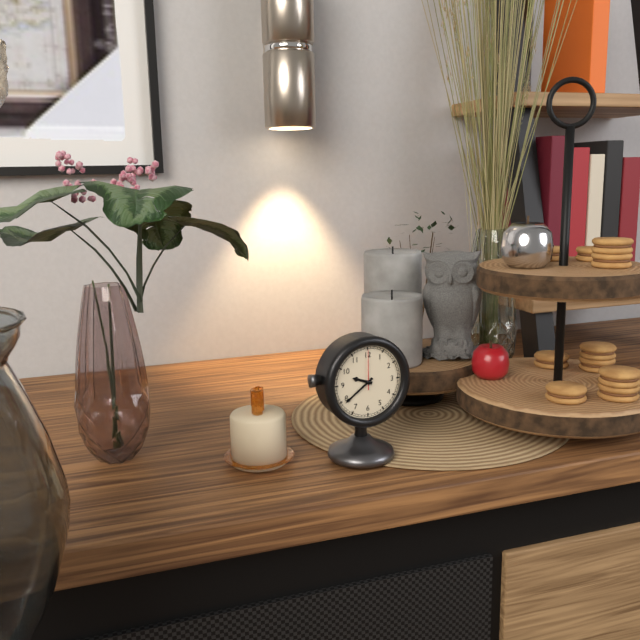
9:39
